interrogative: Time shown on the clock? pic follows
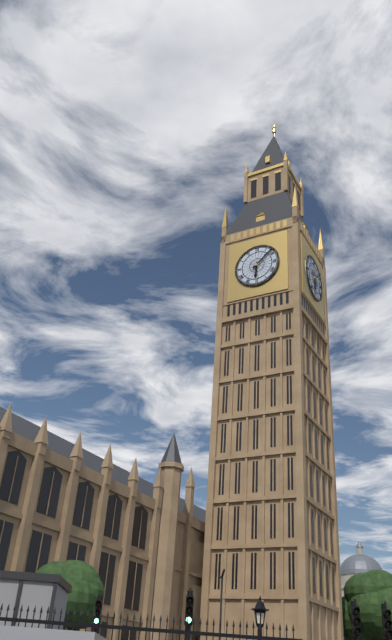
6:08
